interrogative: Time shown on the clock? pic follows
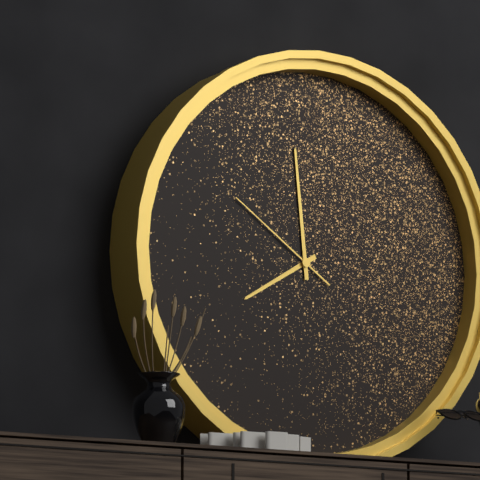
7:59:51
